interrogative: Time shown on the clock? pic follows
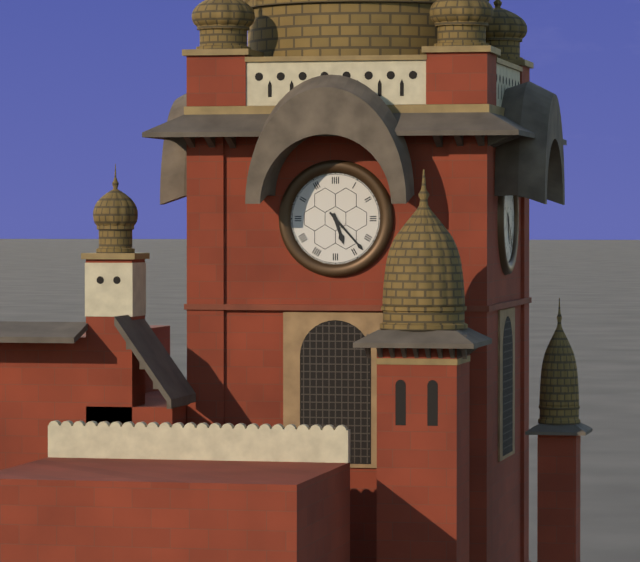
5:23
